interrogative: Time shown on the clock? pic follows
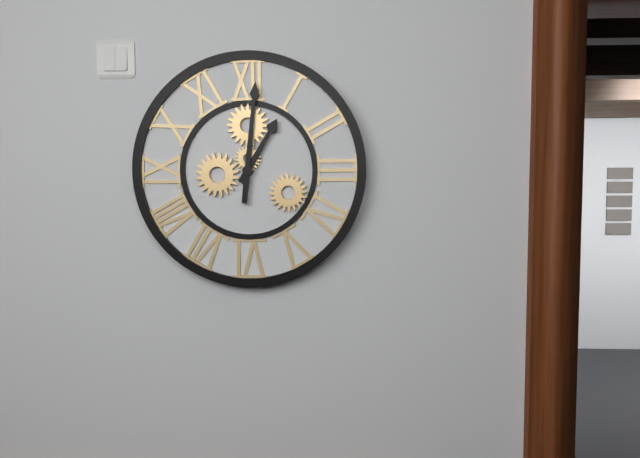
1:01
